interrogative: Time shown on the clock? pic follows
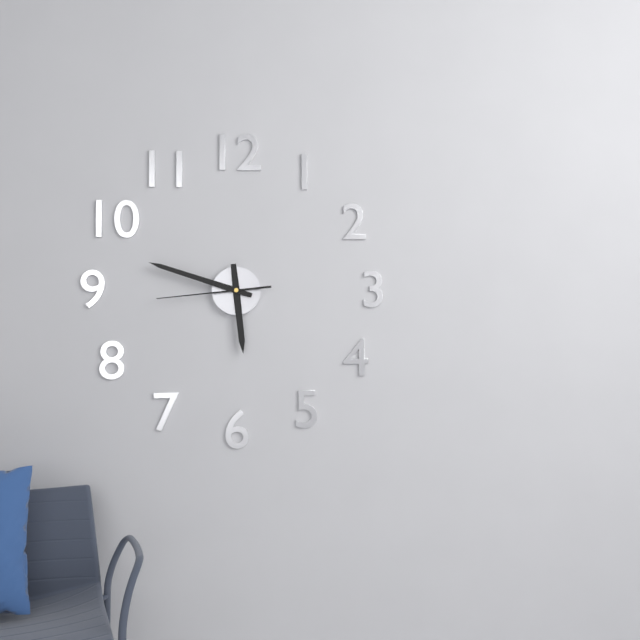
5:48:44
